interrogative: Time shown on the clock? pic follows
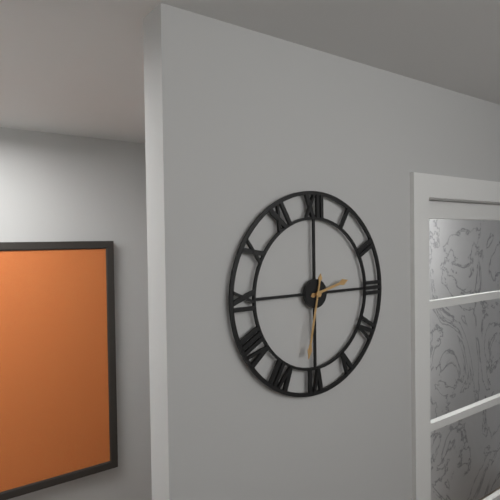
2:32
